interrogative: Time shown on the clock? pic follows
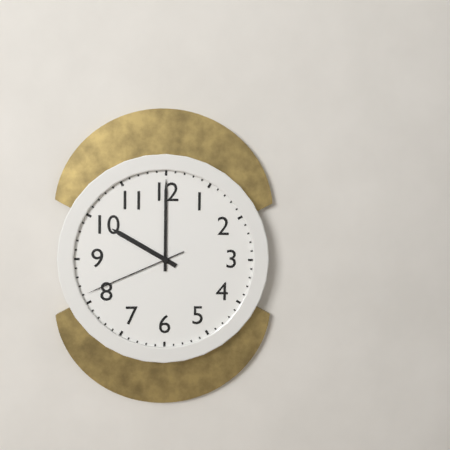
10:00:41
